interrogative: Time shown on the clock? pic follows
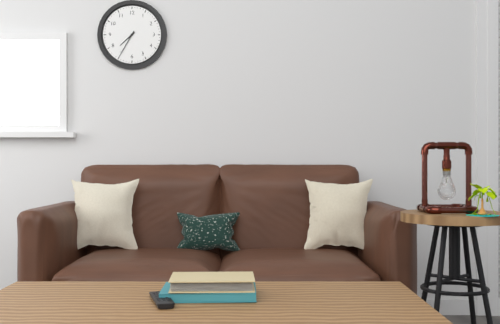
7:35
